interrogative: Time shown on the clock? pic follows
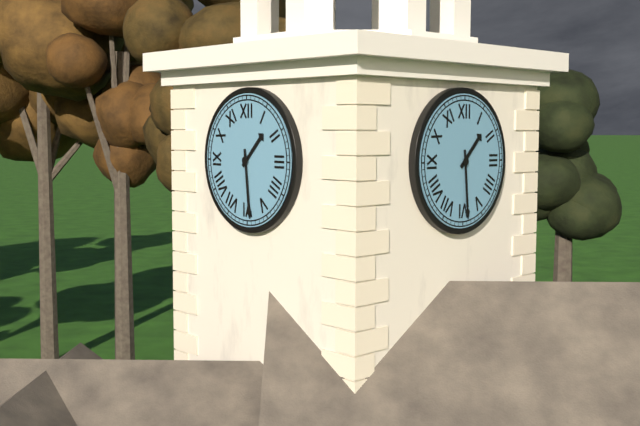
1:29
